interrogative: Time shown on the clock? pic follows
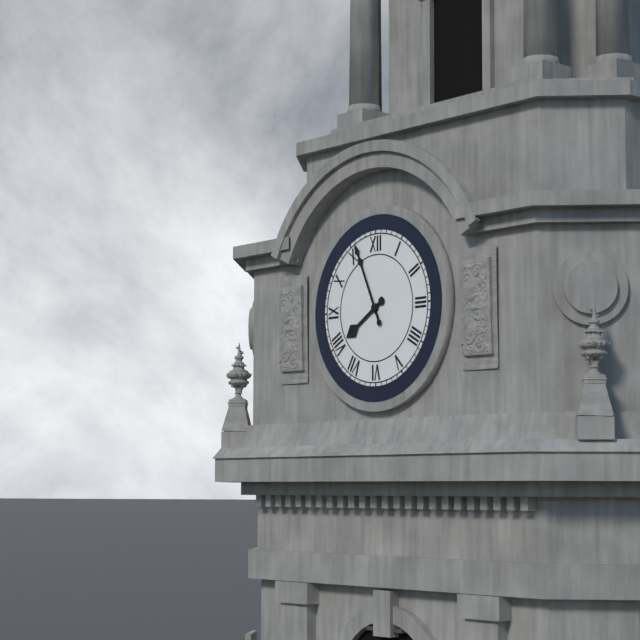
7:56
